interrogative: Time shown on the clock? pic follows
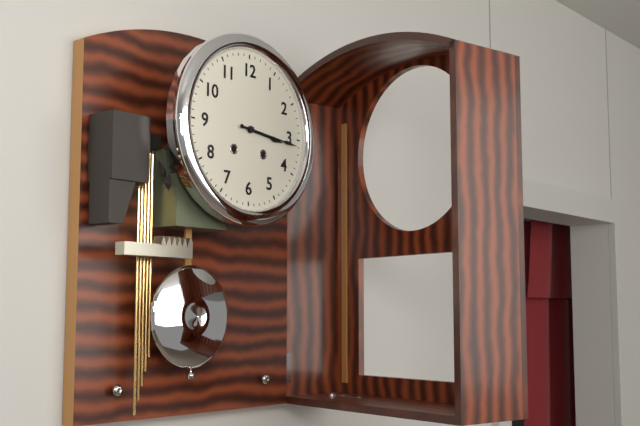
3:16
